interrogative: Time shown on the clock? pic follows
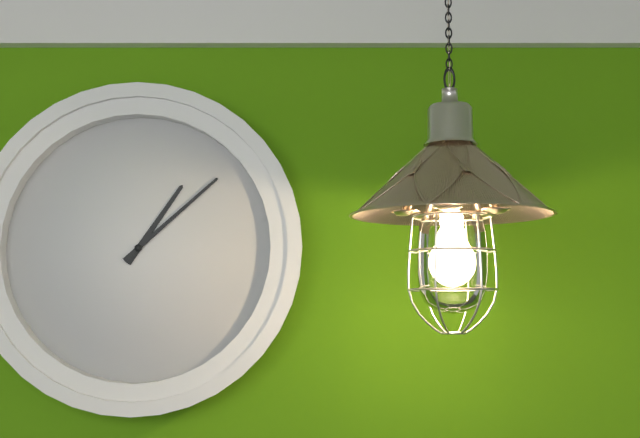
1:08
